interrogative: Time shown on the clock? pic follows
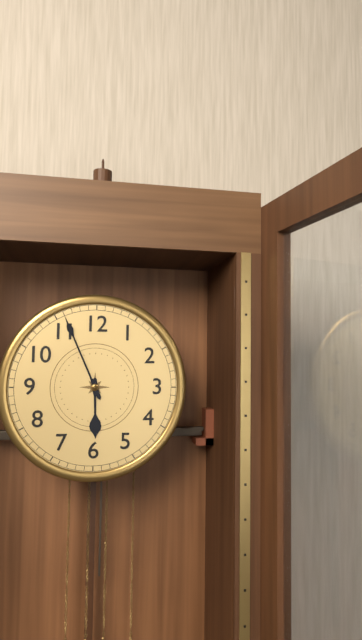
5:56
